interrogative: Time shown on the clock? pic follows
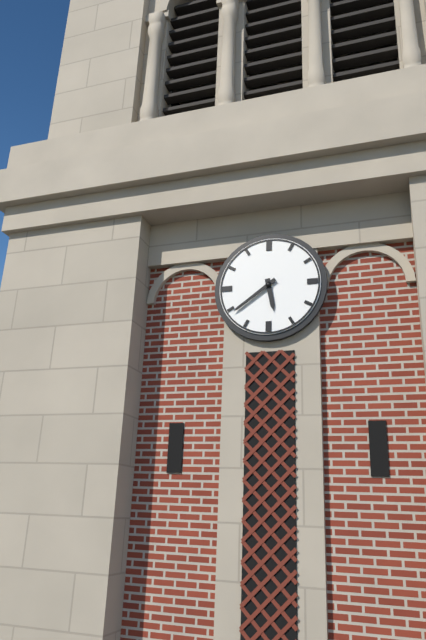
5:39
